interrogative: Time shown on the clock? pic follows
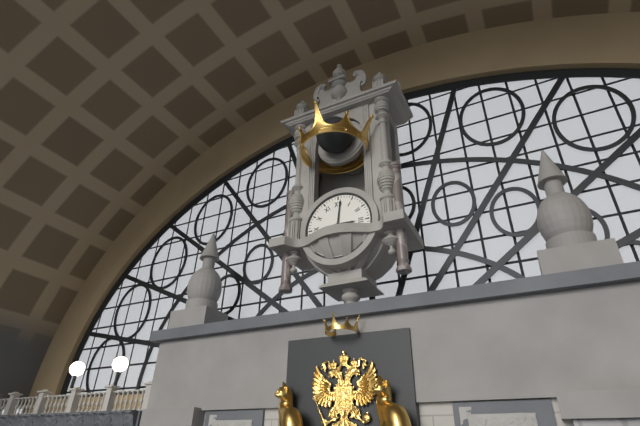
3:01
